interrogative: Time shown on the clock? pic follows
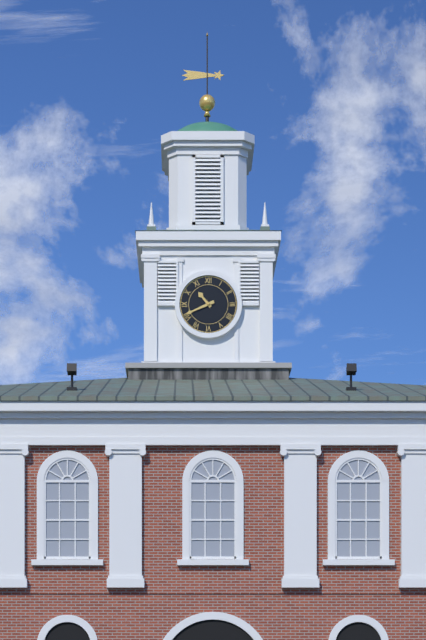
10:41
